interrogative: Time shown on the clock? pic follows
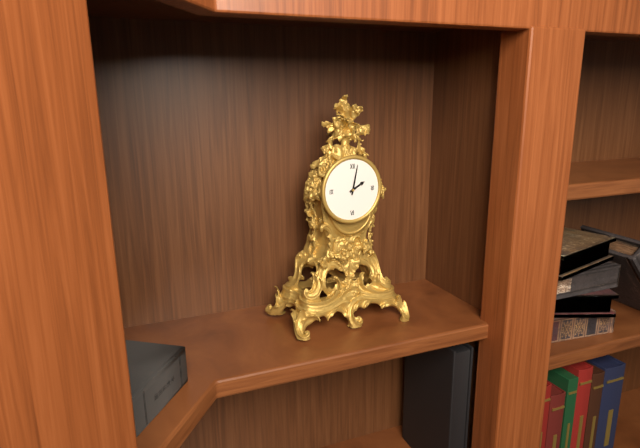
2:02
